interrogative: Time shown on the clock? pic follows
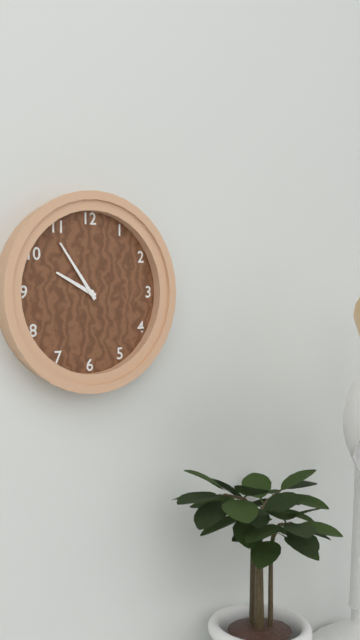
9:54
